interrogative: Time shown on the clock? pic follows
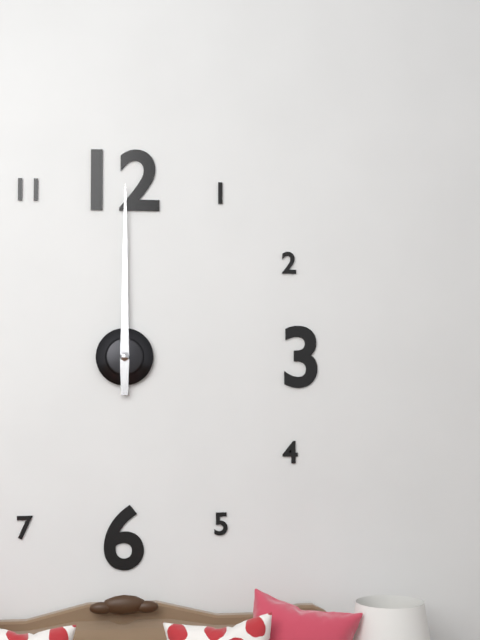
12:00
